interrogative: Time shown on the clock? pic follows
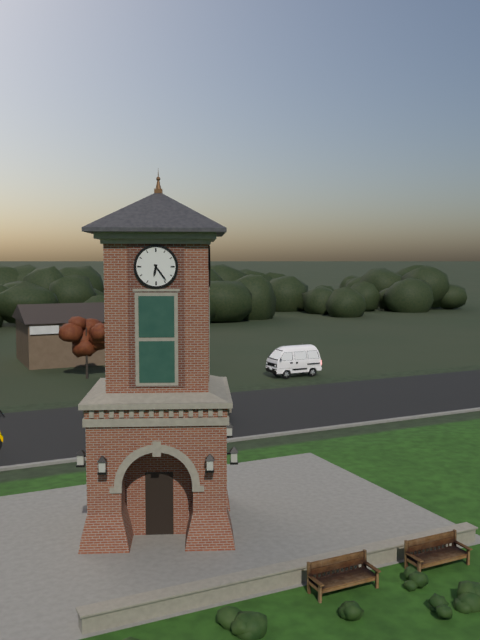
6:24
